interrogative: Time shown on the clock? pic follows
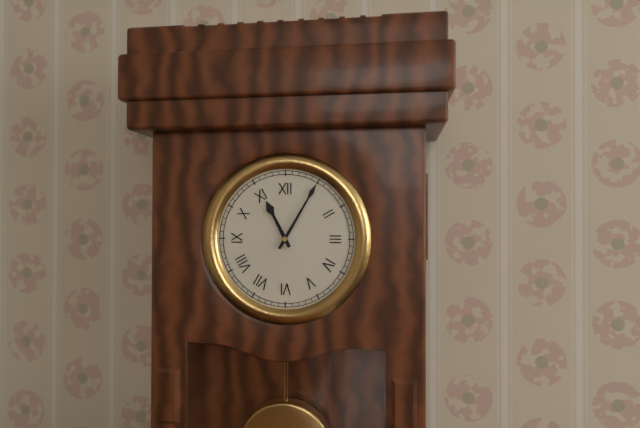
11:05
